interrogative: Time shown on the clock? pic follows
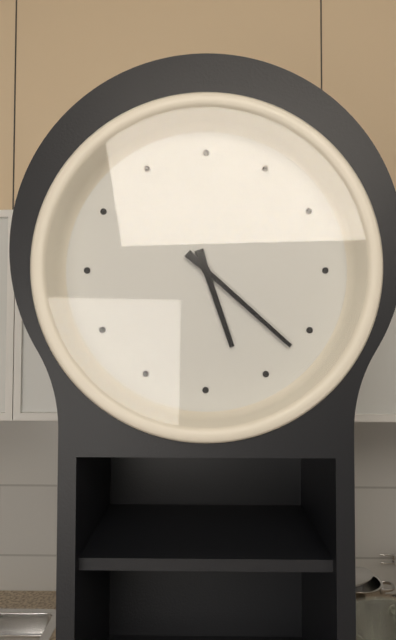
5:22
